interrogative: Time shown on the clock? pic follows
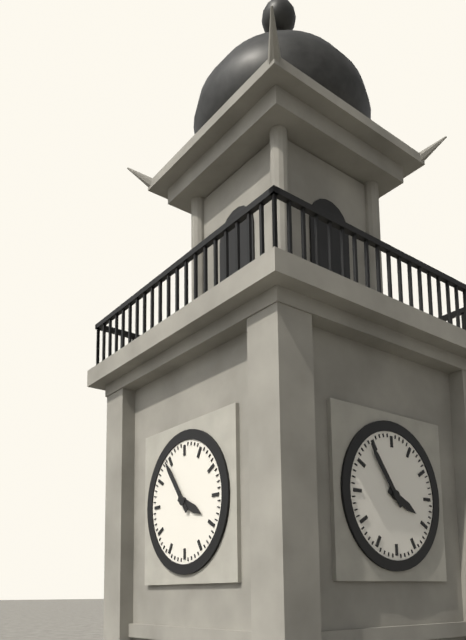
3:54
